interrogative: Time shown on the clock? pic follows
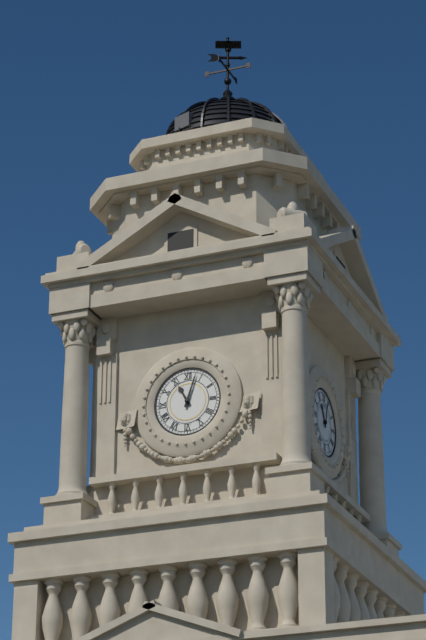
11:03
